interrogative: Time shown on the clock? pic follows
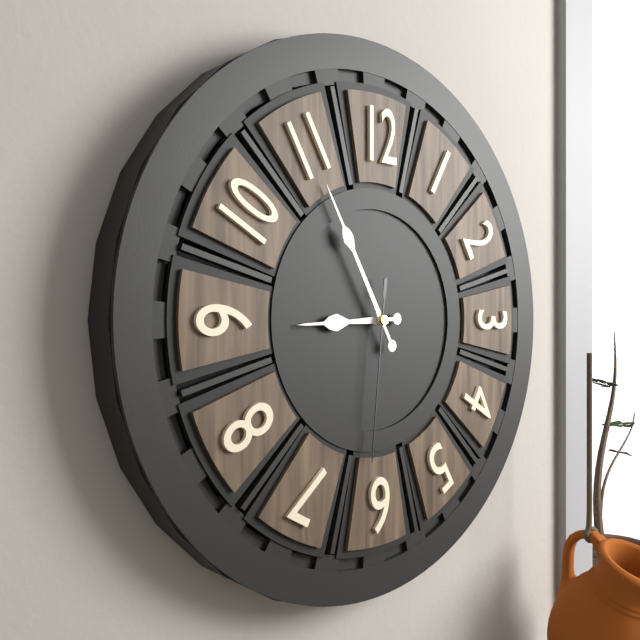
8:55:31
